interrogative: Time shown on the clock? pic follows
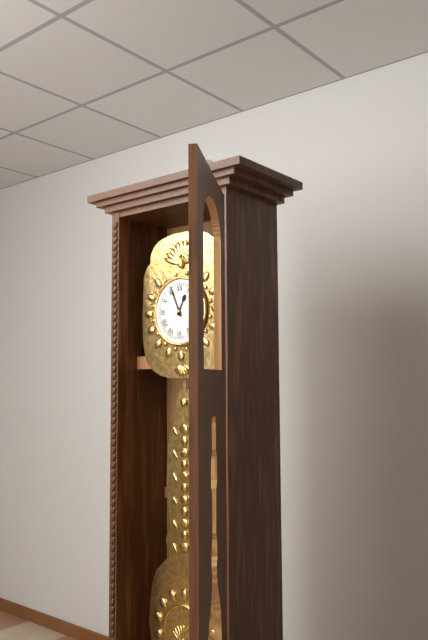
12:56
